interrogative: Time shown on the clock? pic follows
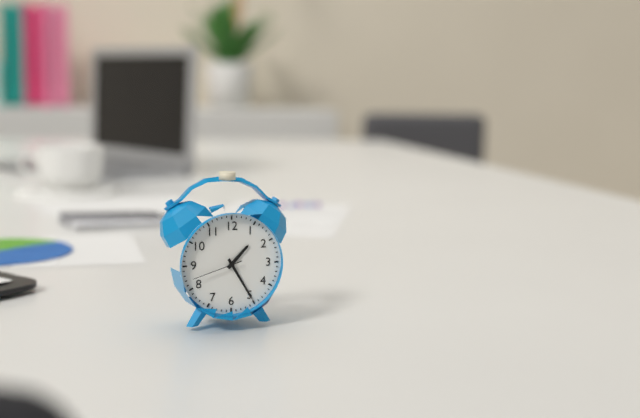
1:25:42
